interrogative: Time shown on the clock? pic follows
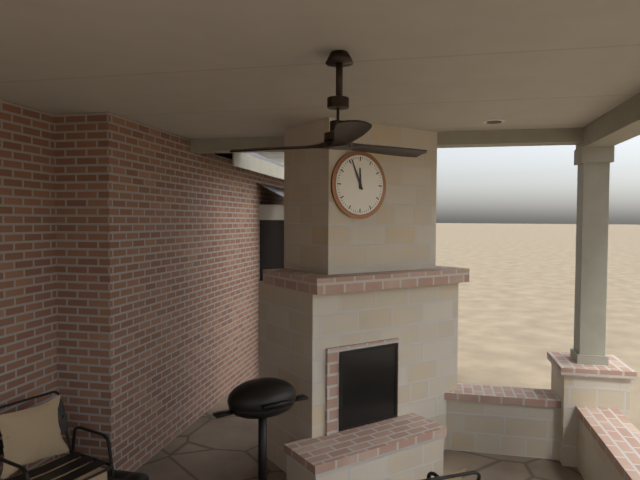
11:56
